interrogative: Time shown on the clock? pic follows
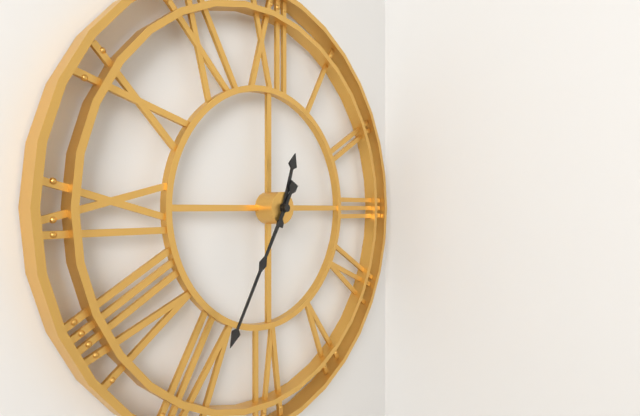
12:35
